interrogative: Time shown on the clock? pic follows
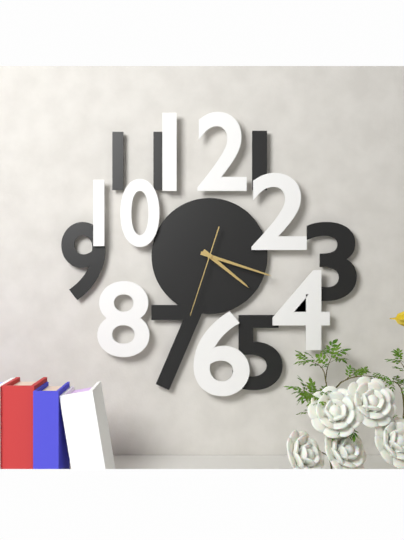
4:18:33
